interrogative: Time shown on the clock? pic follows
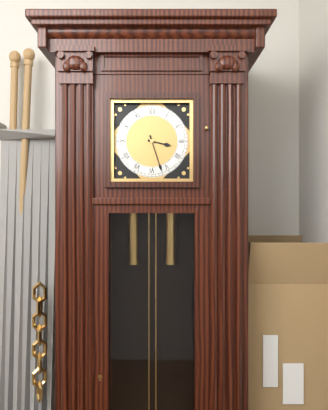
3:27
